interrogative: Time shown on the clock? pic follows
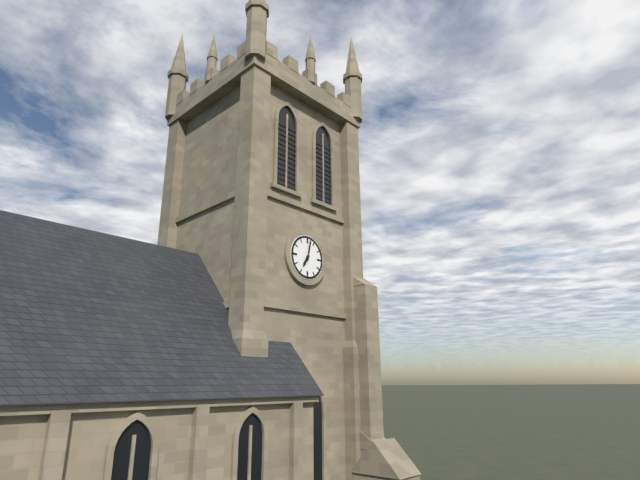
7:02
